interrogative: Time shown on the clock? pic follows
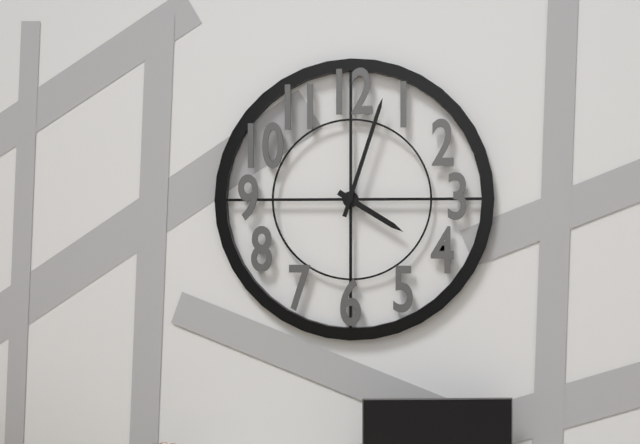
4:03
